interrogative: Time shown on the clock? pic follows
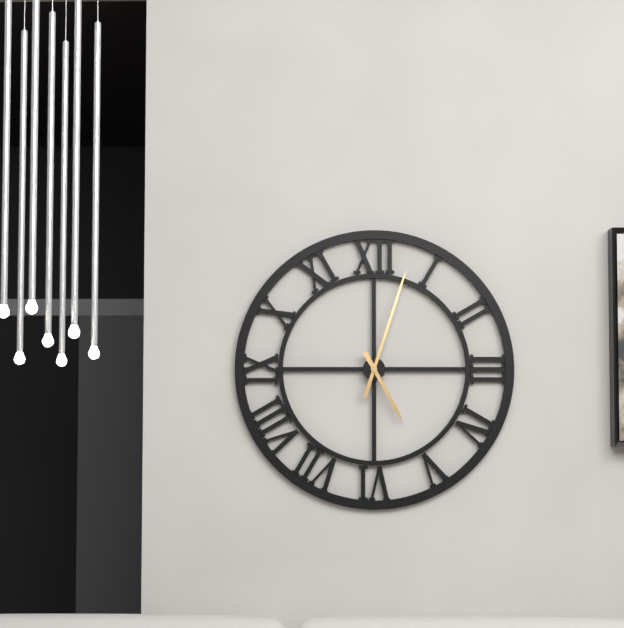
5:03
